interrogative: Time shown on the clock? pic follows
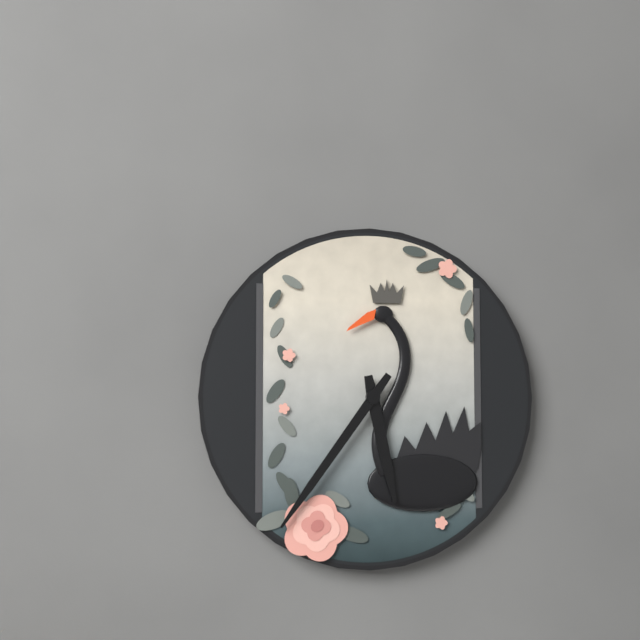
5:36
